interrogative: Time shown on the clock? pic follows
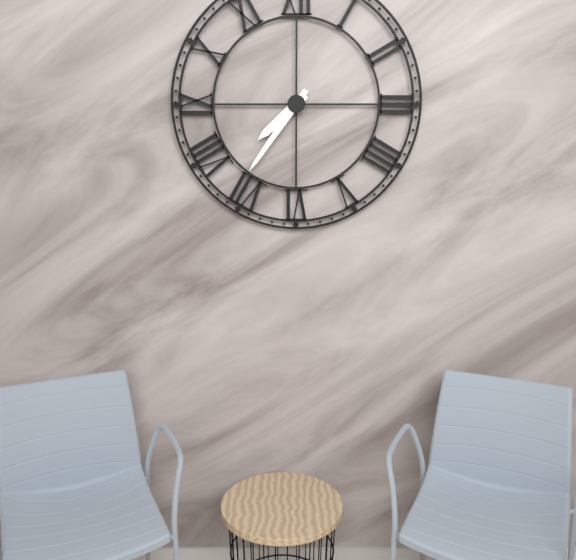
7:36
